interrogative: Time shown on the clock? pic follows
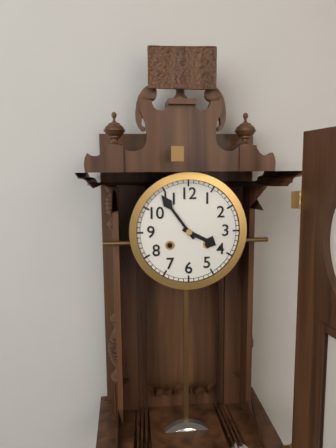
3:54
